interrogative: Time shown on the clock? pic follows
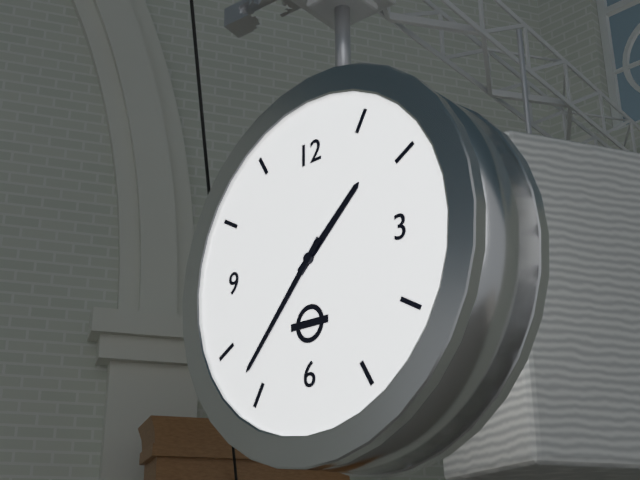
1:37
